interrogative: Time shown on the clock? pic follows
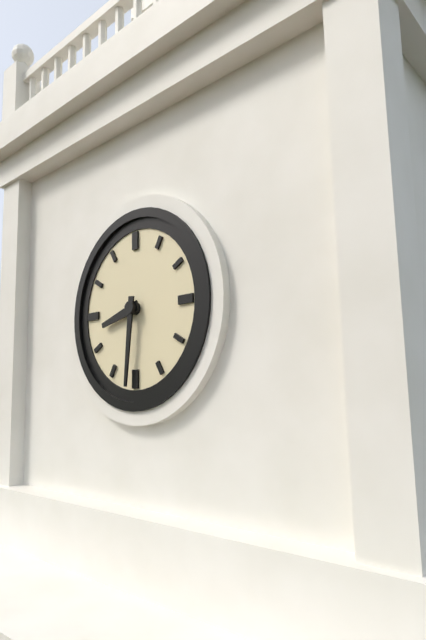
8:31
